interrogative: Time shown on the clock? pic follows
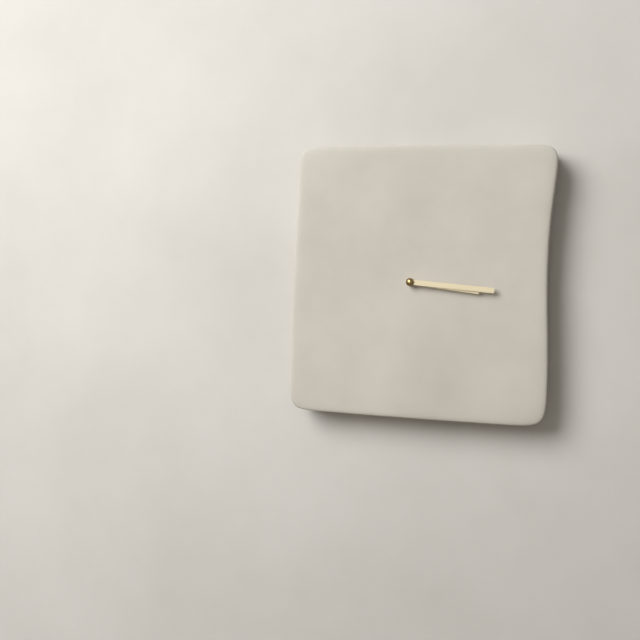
3:16
